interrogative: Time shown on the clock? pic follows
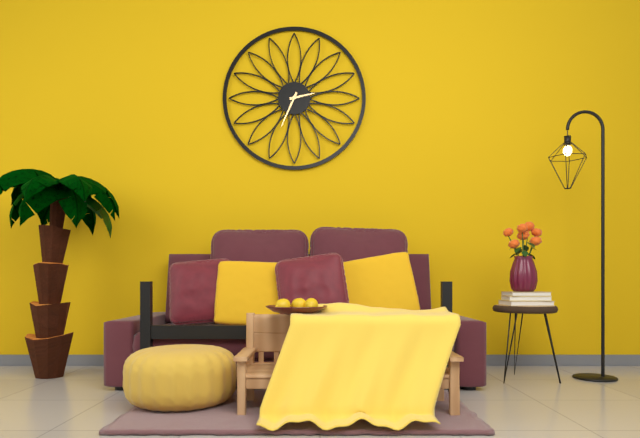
2:34
